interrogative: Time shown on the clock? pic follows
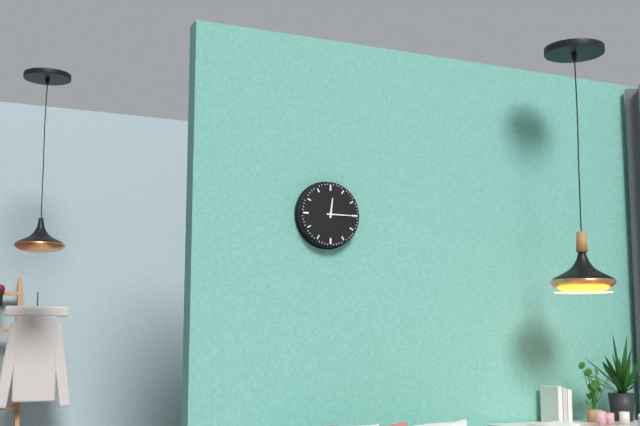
12:15
